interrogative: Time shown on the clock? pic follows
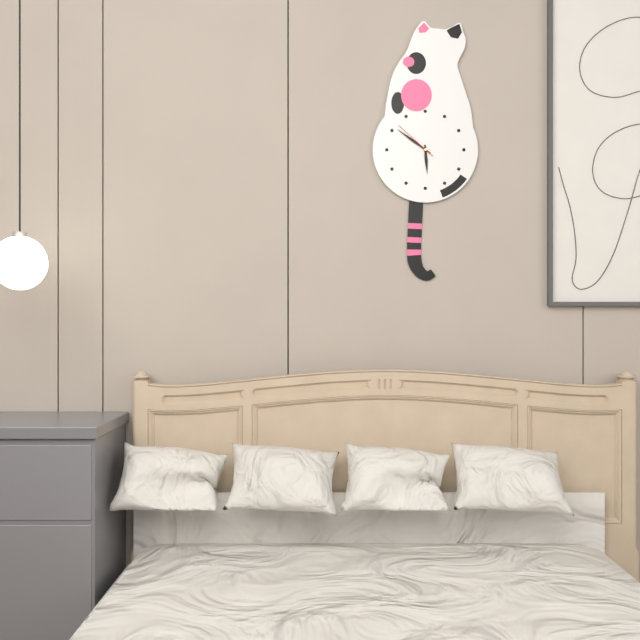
5:51
